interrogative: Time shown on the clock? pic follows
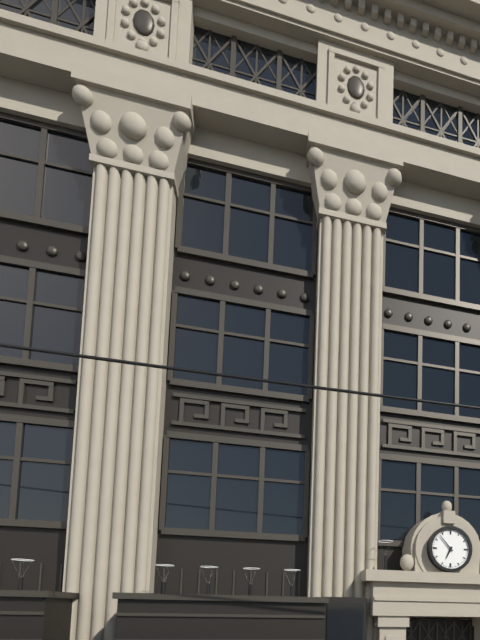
6:53
